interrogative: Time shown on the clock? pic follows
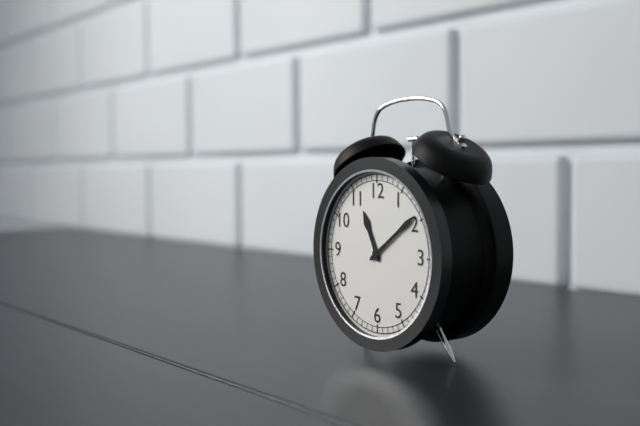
11:09
